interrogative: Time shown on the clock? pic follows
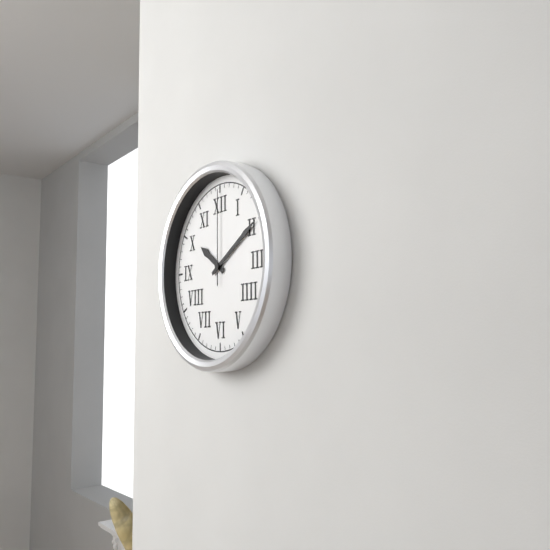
10:10:00
